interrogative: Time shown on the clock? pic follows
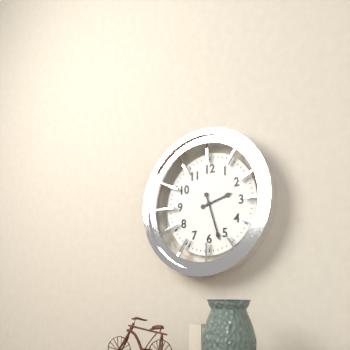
2:27
